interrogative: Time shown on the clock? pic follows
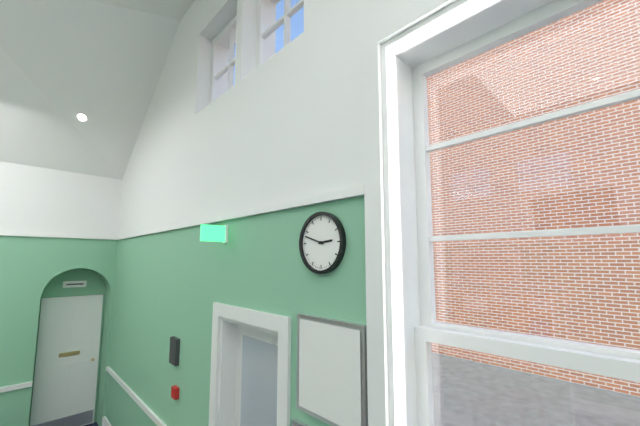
2:48
